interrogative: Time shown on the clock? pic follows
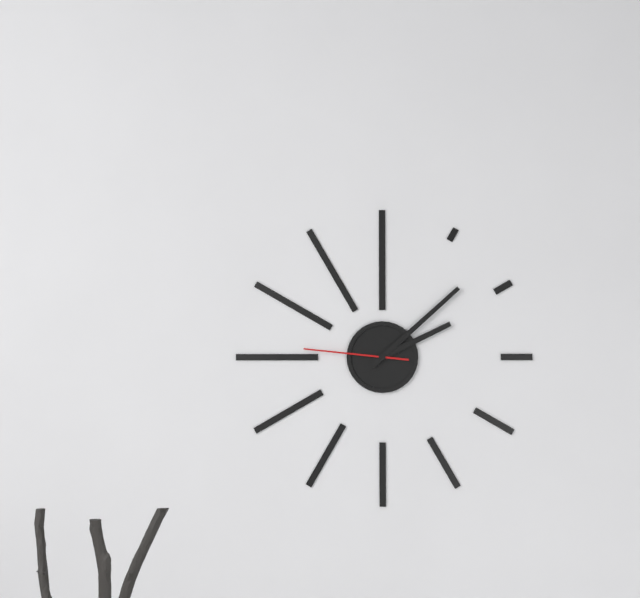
2:08:46
